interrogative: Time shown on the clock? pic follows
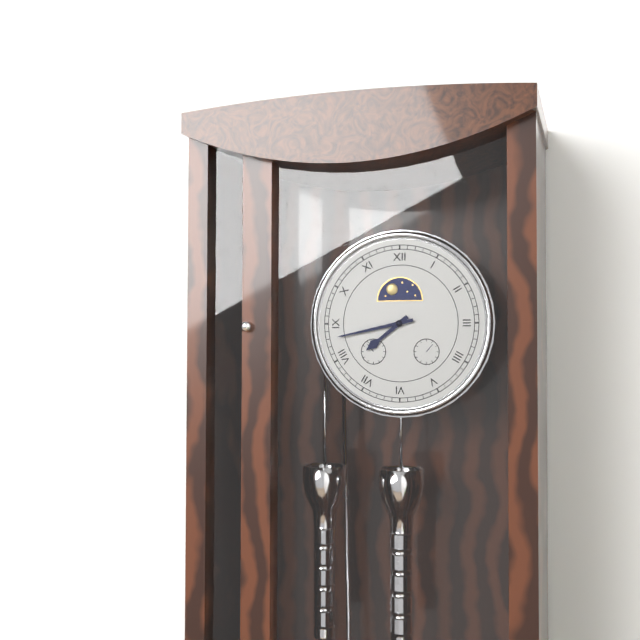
7:43
